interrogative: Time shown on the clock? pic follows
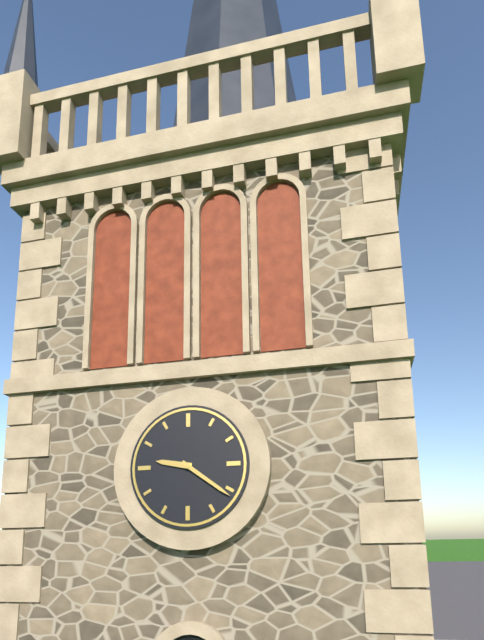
9:21
